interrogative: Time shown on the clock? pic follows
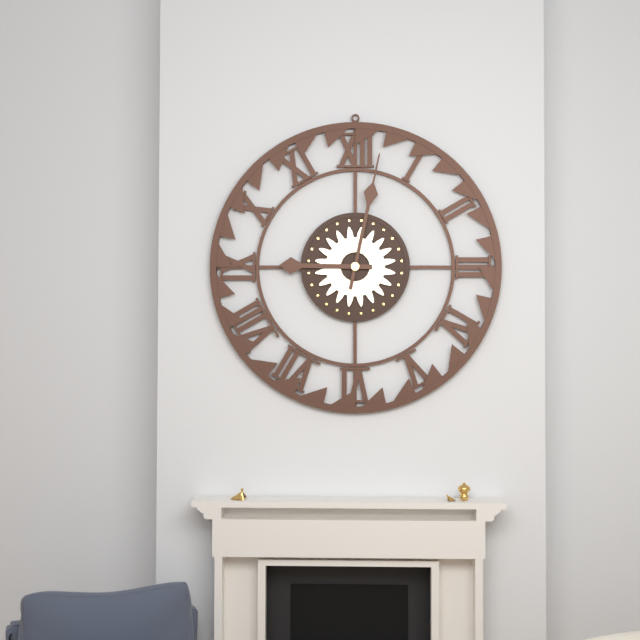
9:02
